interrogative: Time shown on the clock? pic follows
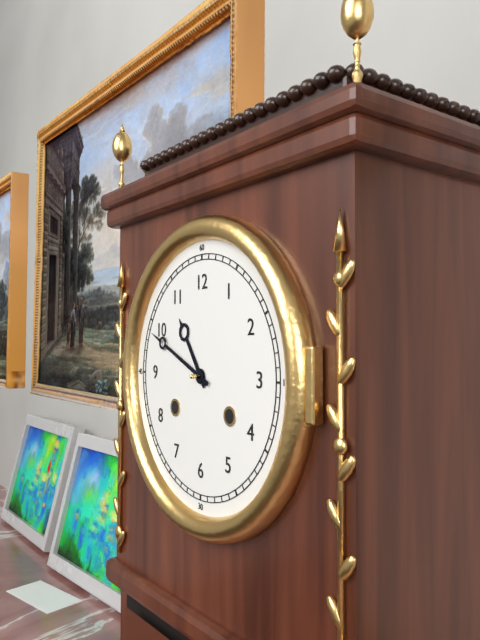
10:49
